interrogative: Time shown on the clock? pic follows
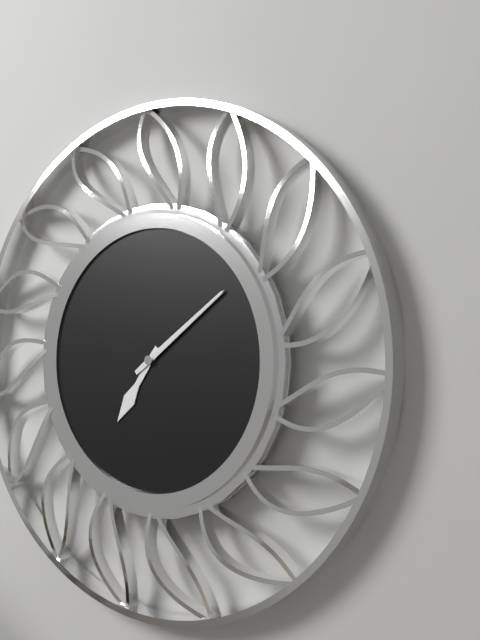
7:09
